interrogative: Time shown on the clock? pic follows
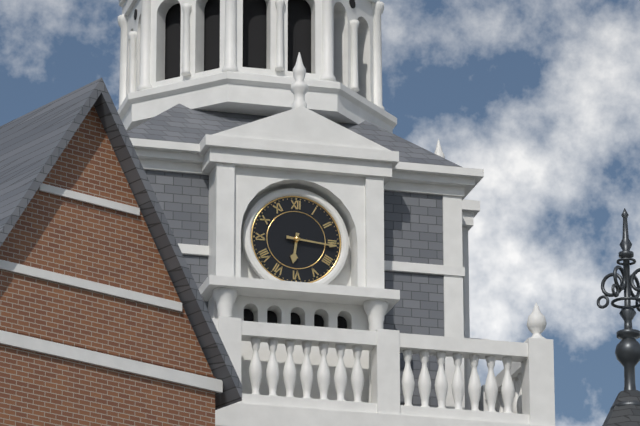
6:16
